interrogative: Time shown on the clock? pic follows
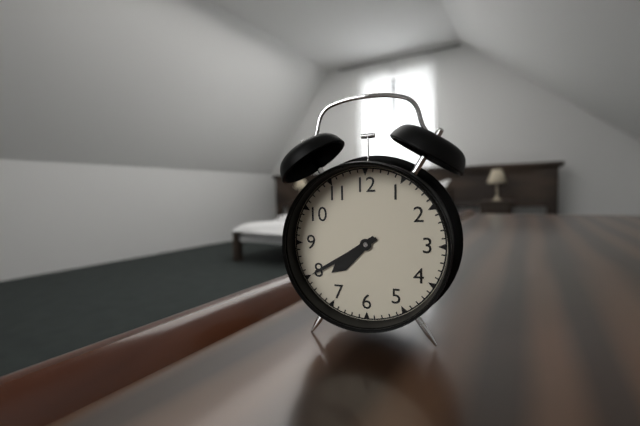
7:40
